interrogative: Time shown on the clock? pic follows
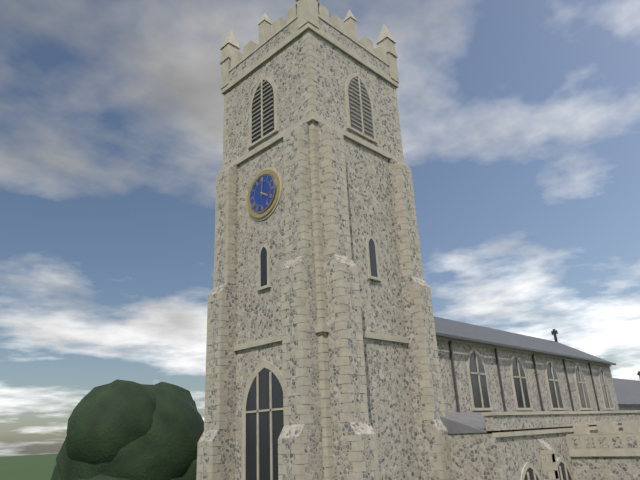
4:01
